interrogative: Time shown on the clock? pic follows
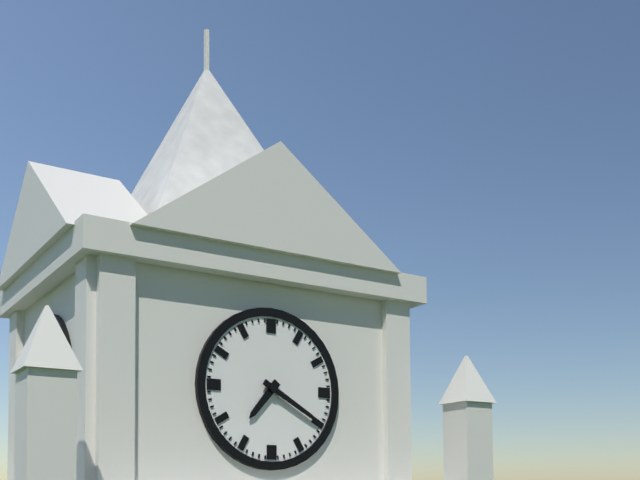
7:20
